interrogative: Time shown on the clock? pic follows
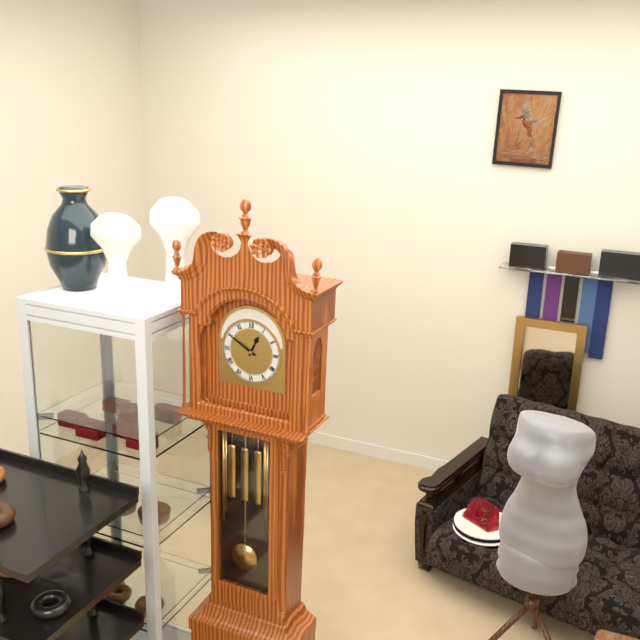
12:50
